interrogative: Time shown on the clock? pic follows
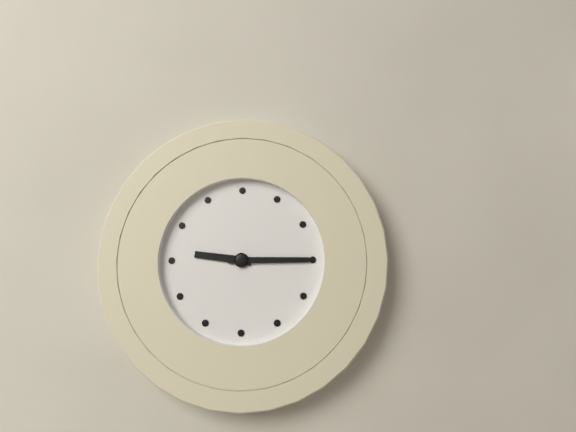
9:15
